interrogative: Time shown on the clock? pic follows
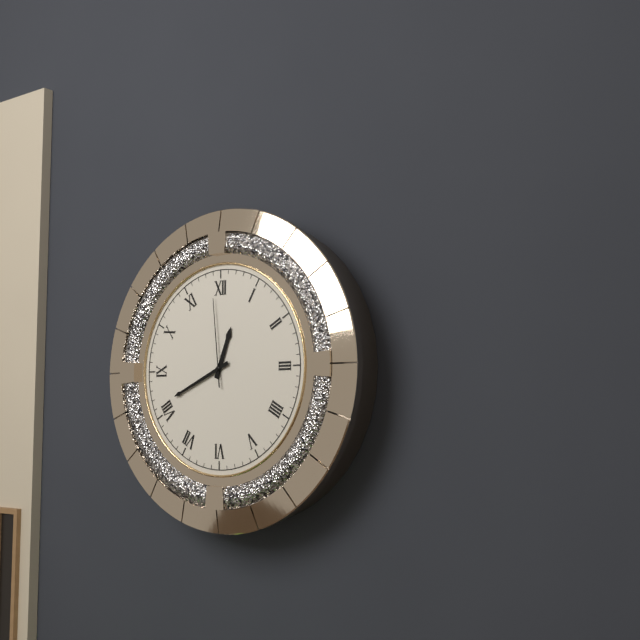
12:41:59
